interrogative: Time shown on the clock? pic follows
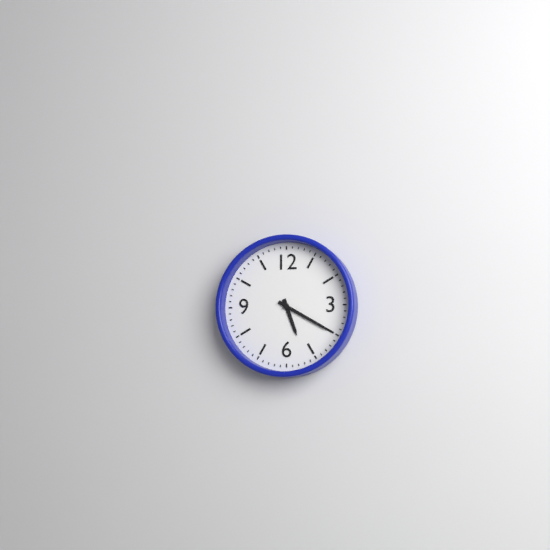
5:20
